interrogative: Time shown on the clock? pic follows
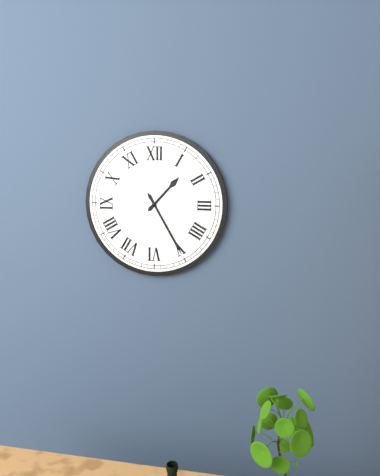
1:25
